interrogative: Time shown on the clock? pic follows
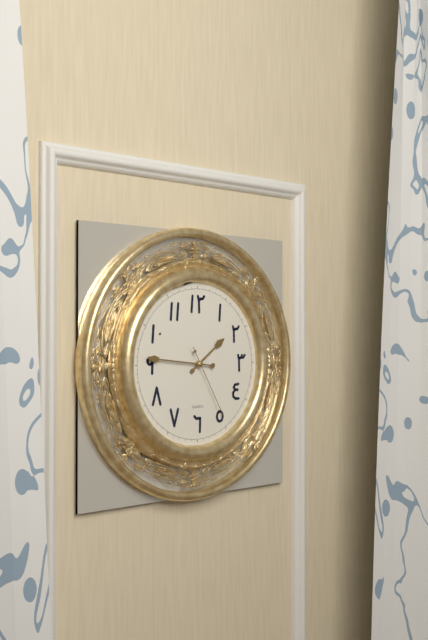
1:46:25
